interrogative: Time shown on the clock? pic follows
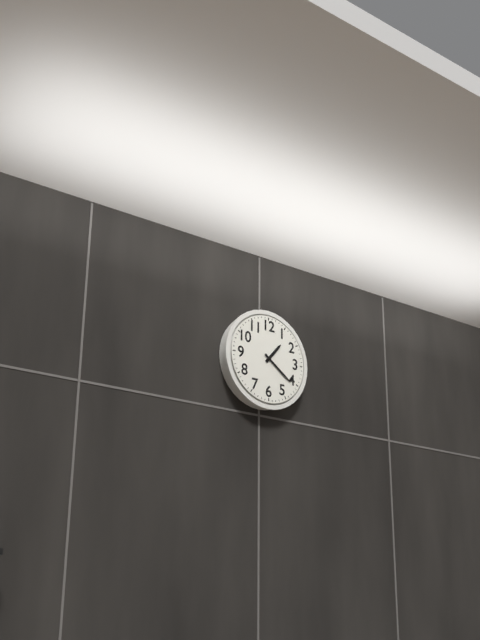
1:21
